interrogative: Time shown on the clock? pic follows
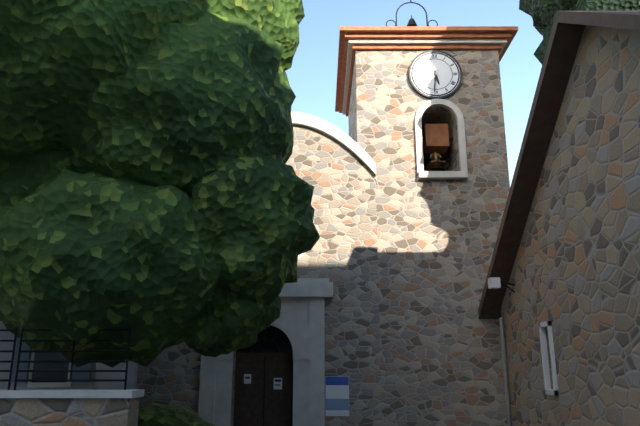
5:31
